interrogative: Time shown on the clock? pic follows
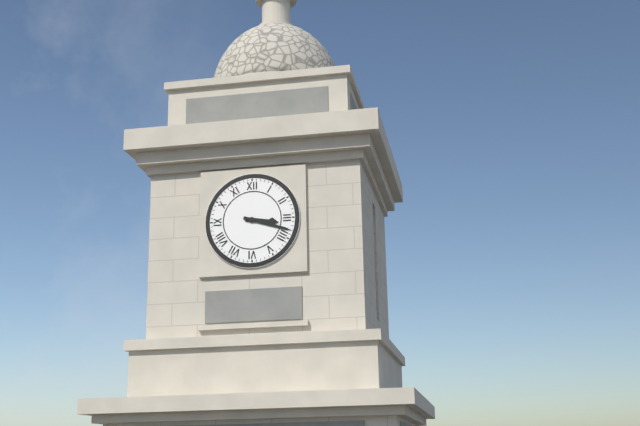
3:18
